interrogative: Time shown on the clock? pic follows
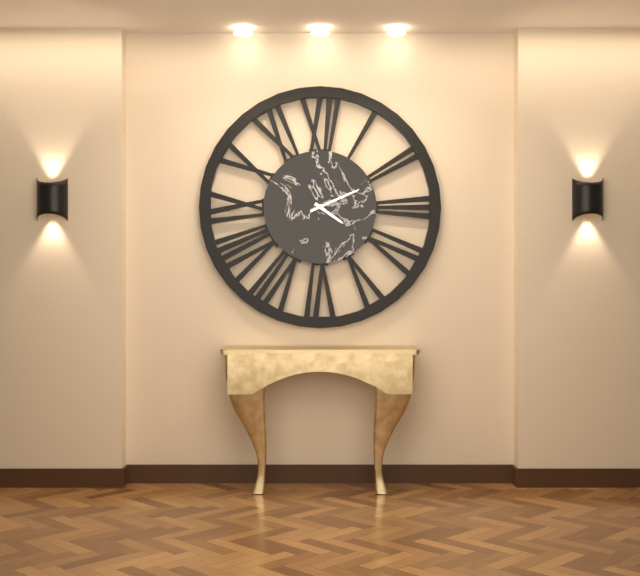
4:11
